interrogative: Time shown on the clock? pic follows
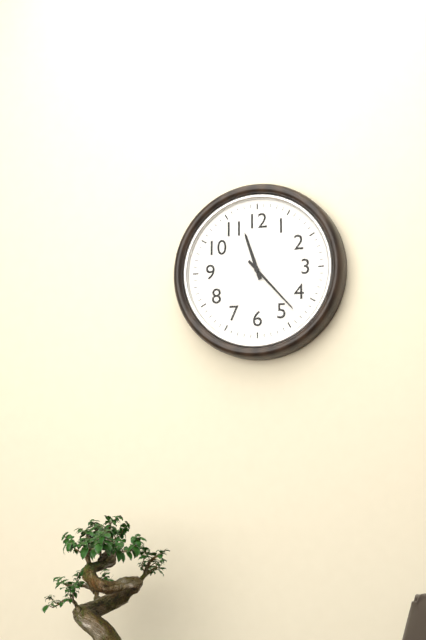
11:23
